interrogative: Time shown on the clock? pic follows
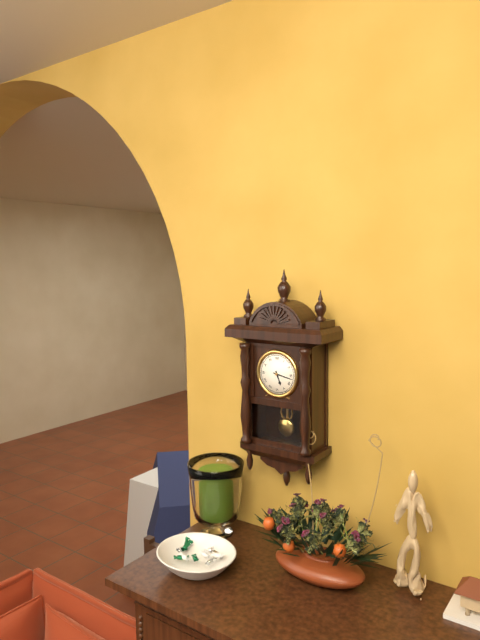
5:17
